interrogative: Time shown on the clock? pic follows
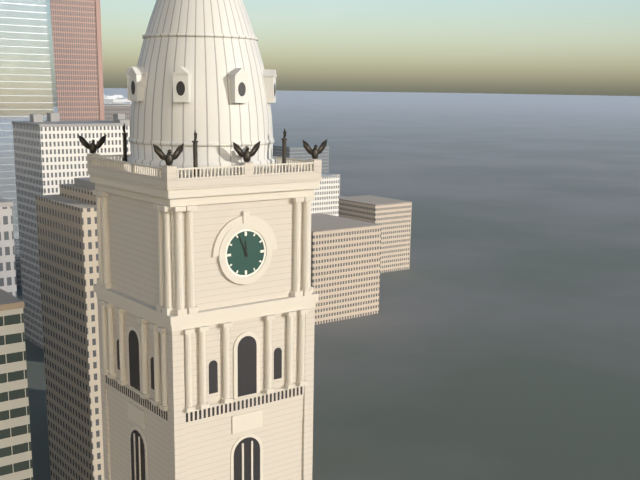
11:56
